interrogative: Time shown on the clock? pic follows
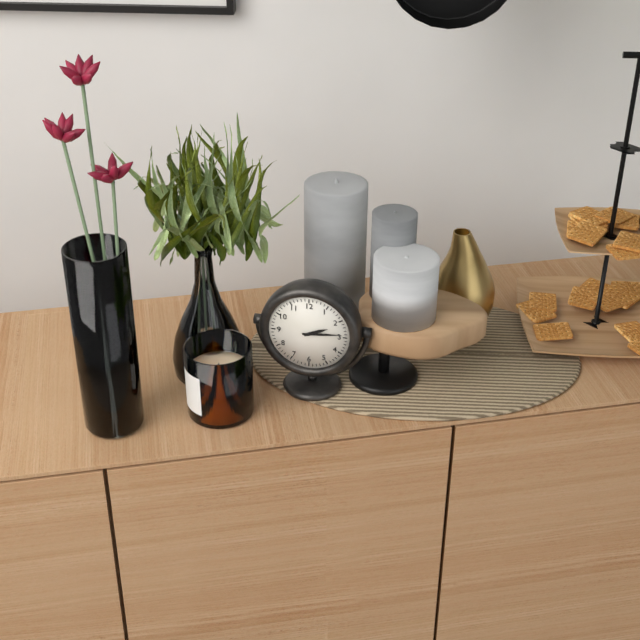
2:14
